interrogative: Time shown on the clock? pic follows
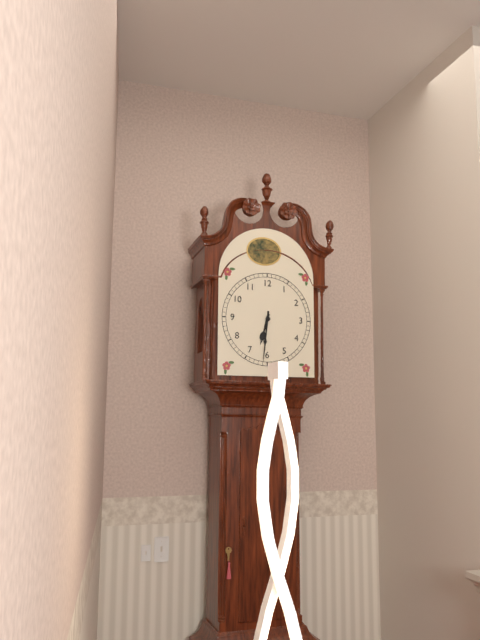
6:31
